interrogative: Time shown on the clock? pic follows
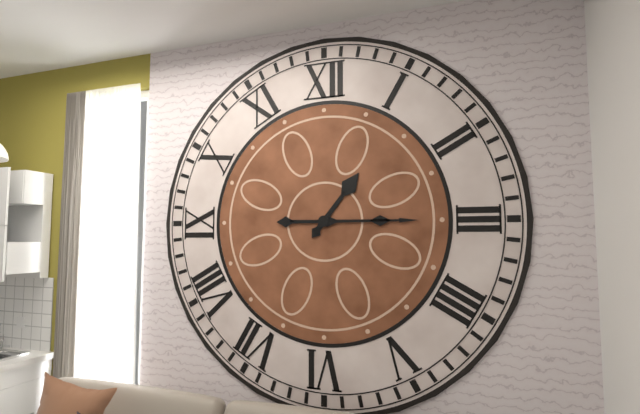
1:15
